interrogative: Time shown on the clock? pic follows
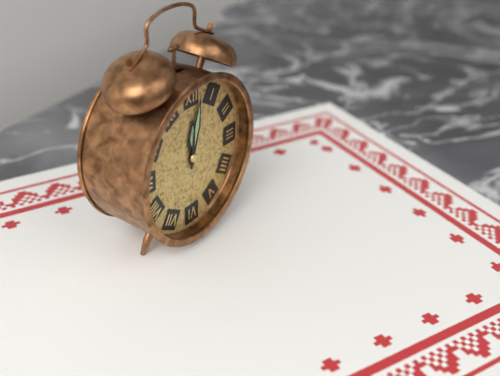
12:02
